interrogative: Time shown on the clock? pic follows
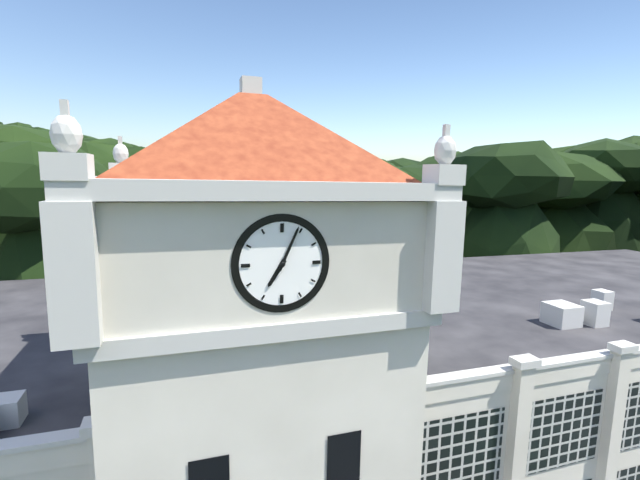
7:04
